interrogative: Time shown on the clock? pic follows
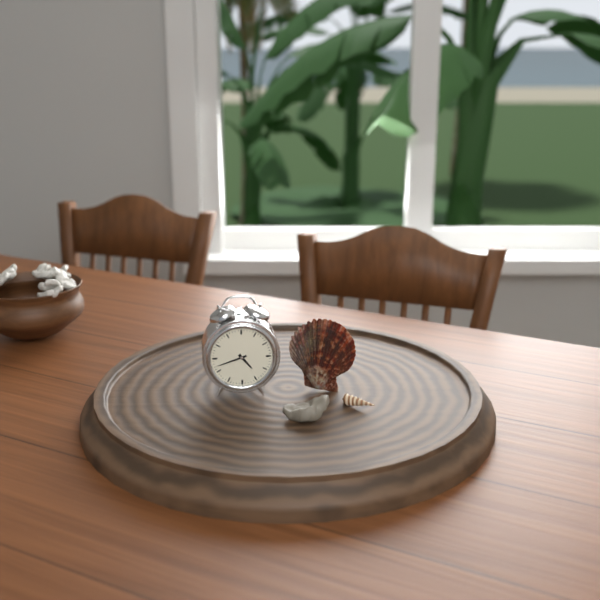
4:42
